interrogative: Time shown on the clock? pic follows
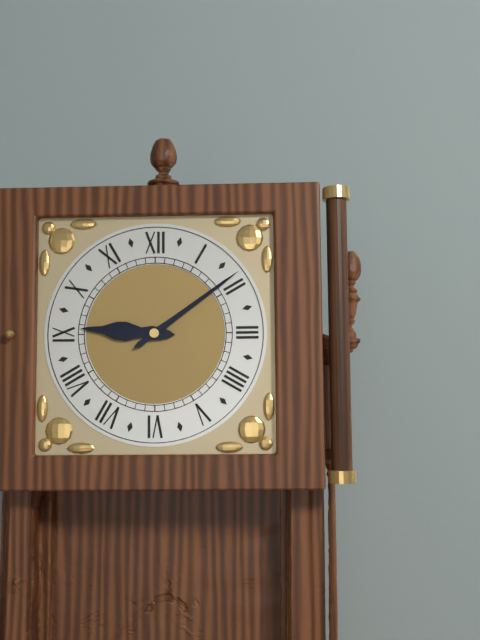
9:09
